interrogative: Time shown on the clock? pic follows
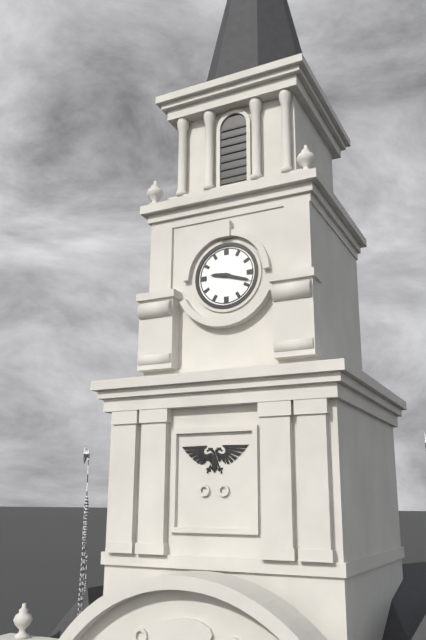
9:18
